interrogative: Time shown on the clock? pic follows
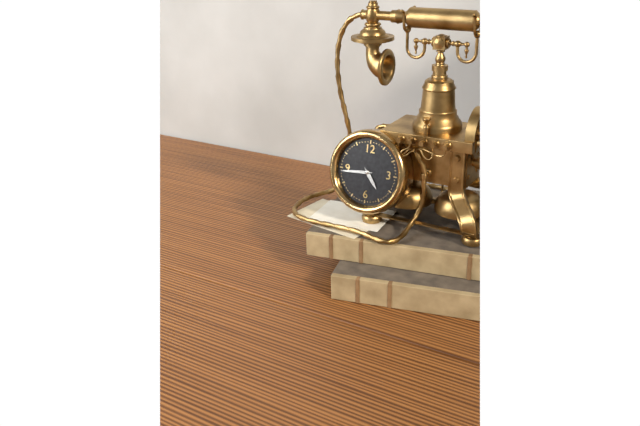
4:44
